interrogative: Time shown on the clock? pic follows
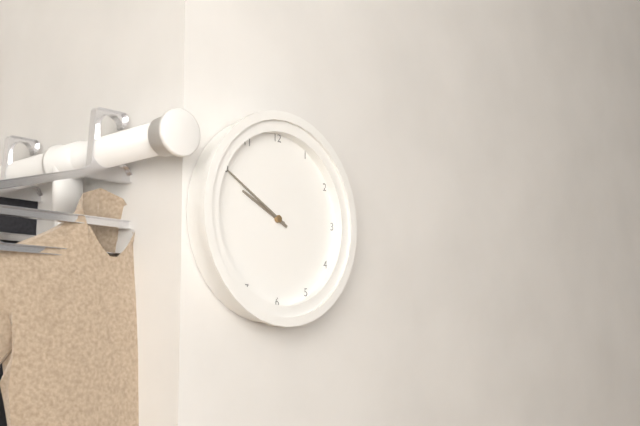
9:50
